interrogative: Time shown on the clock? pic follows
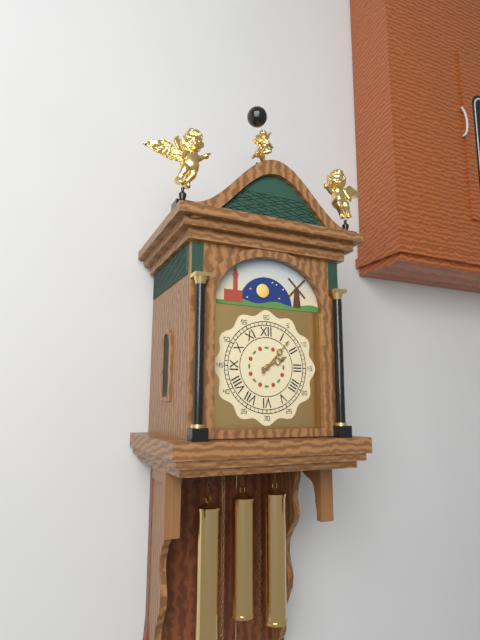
2:07
